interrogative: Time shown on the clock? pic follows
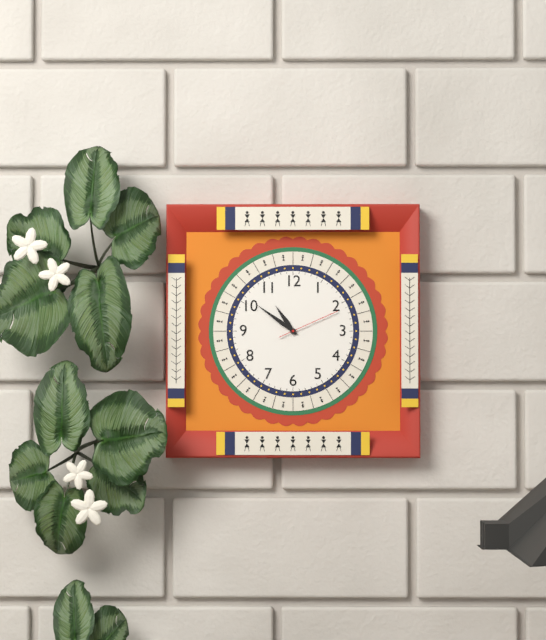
10:51:11
